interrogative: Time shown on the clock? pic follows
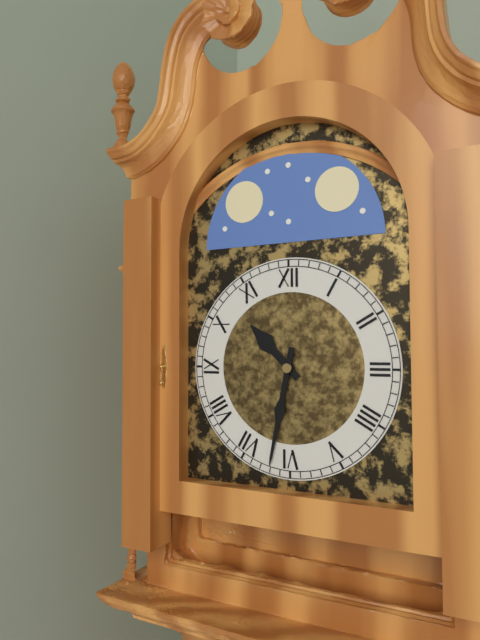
10:32
